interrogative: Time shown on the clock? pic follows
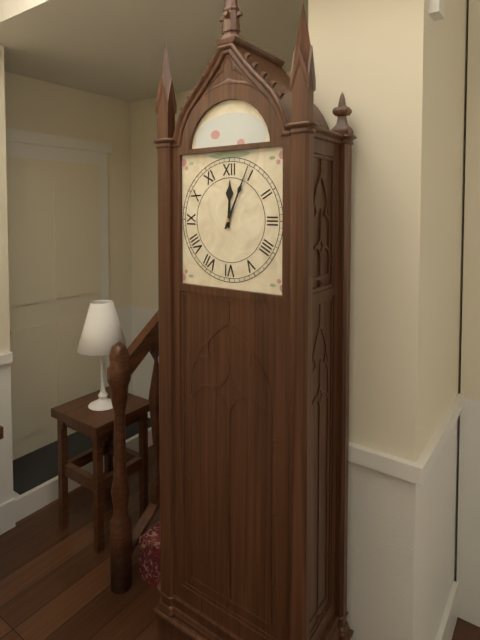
12:04
